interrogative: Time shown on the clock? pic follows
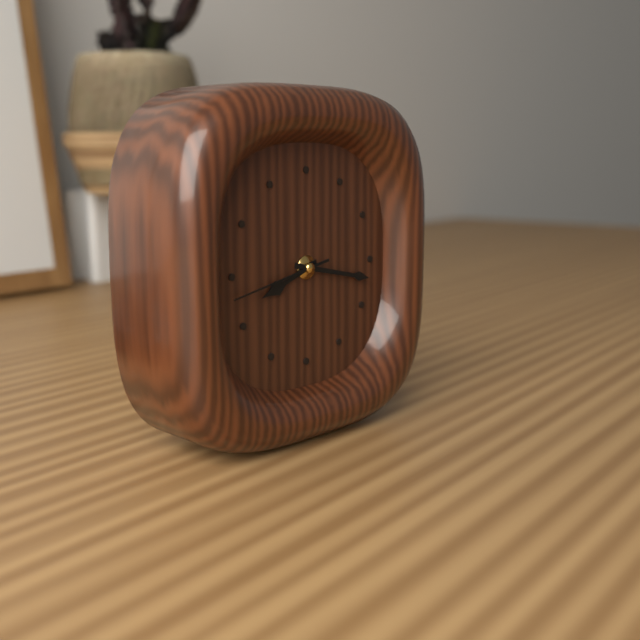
8:17:43
